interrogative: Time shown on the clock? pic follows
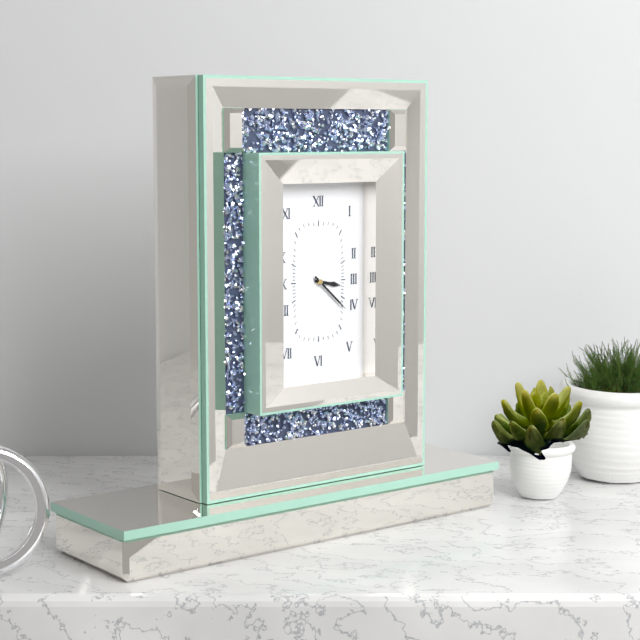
3:22
